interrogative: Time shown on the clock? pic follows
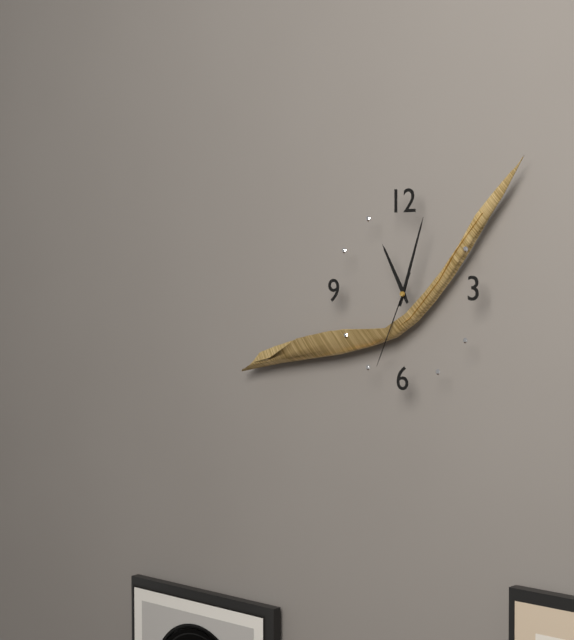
11:03:34
